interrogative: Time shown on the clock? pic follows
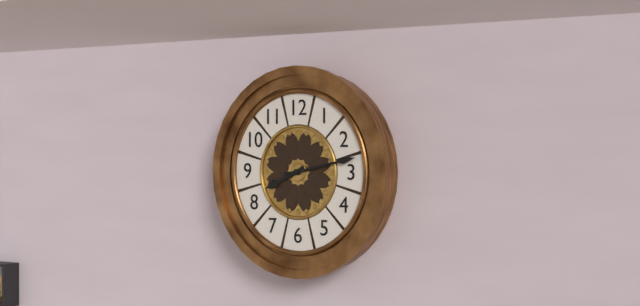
8:13
